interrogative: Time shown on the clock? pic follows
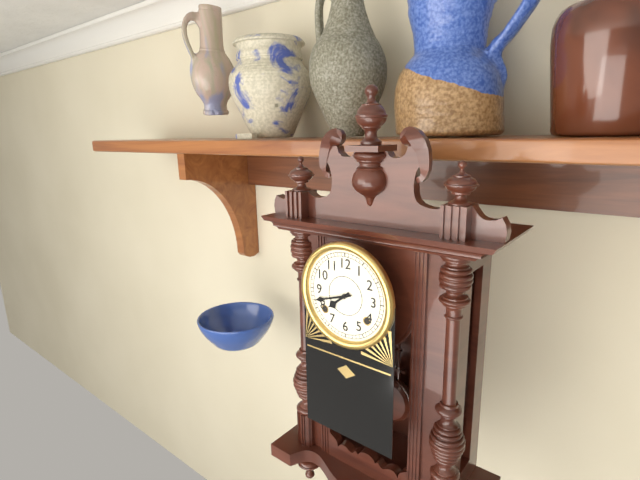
7:42
